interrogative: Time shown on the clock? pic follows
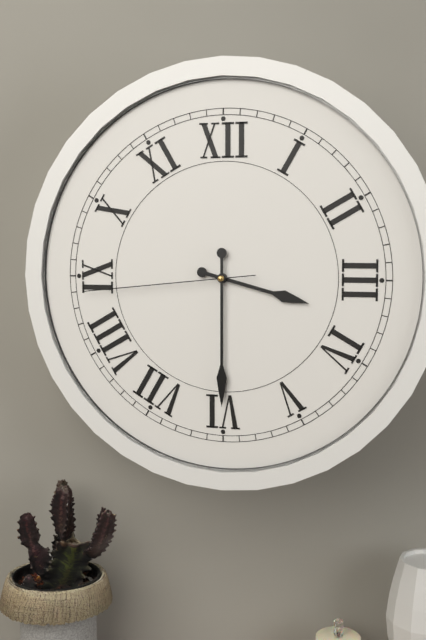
3:30:44
